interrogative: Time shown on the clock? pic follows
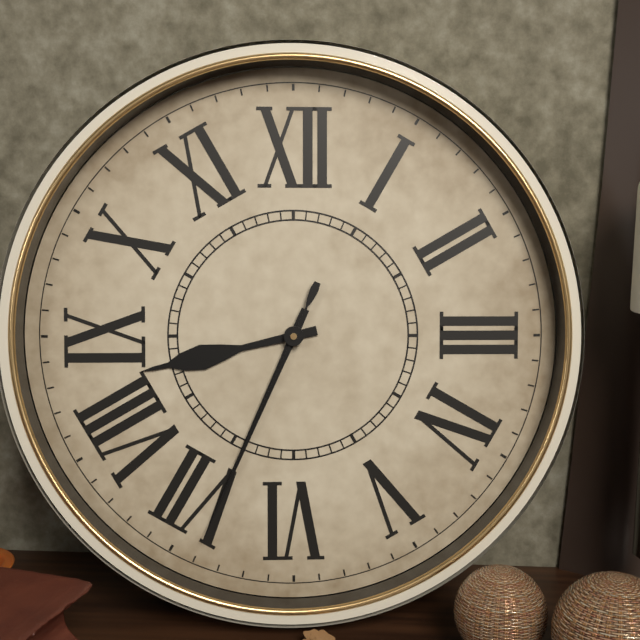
8:34:34
